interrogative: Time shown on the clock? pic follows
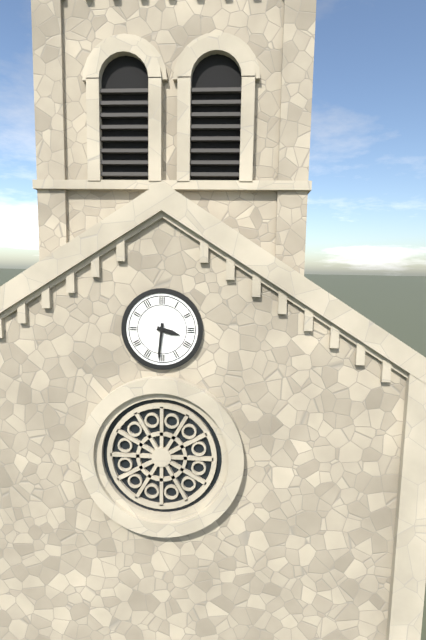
3:31
